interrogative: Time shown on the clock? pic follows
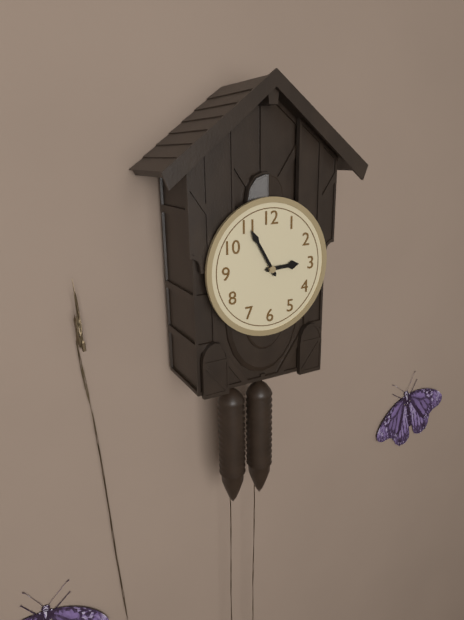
2:55
